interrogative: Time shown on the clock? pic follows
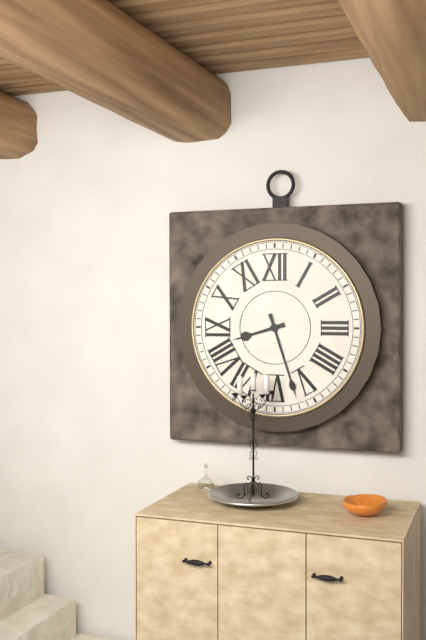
8:27
